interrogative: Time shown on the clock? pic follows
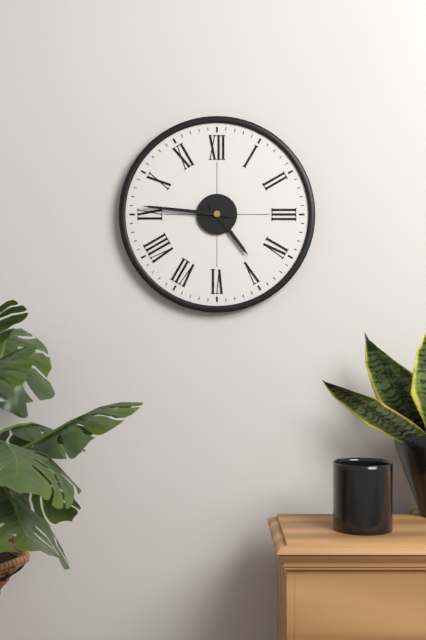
4:46
